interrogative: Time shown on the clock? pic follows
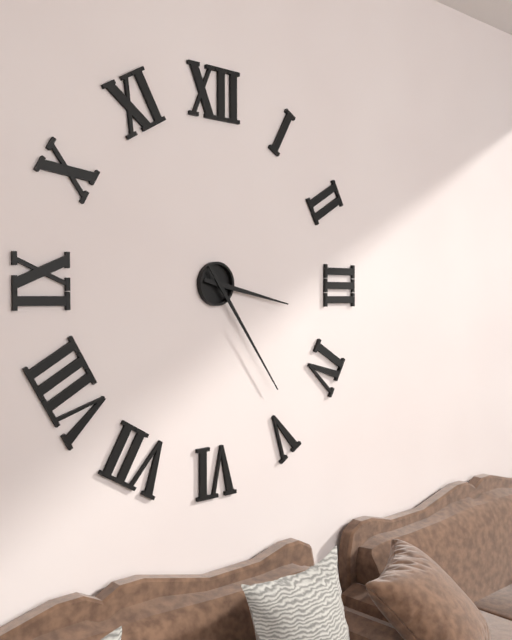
3:24
